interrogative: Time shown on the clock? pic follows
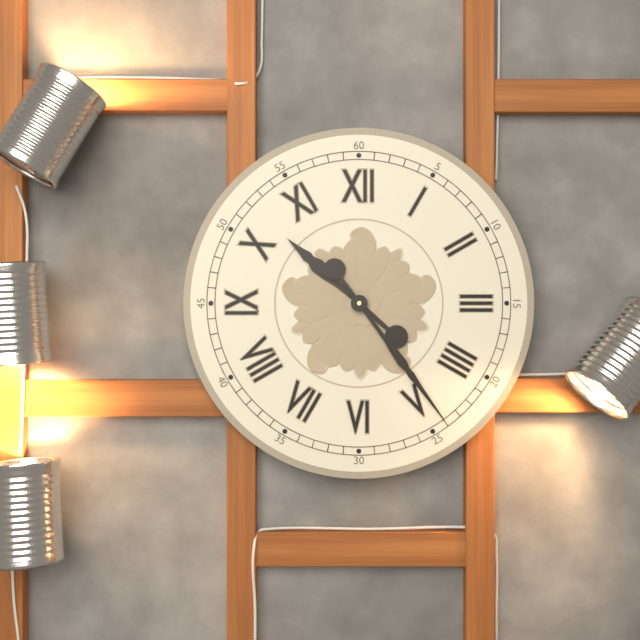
10:24
